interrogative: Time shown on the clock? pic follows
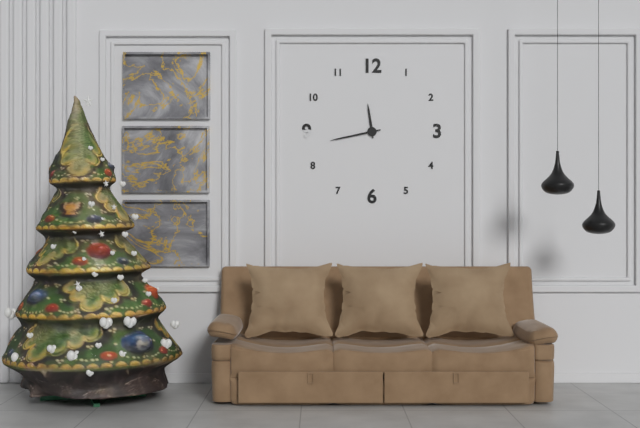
11:43
